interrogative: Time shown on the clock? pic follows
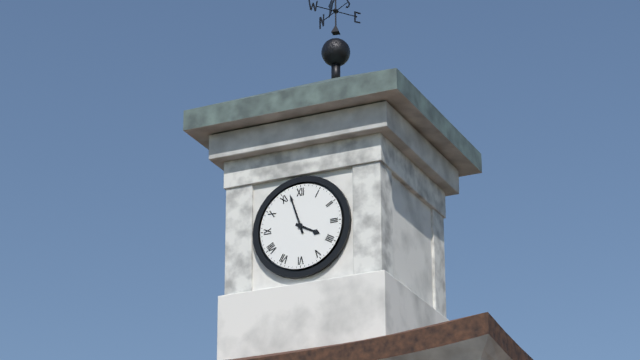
3:57
